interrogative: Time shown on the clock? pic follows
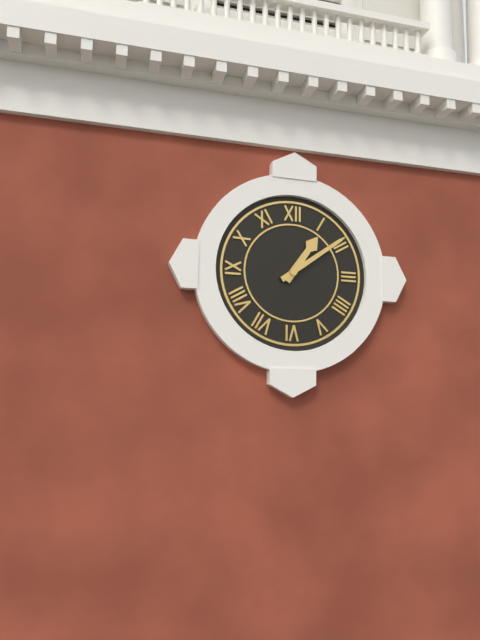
1:09
